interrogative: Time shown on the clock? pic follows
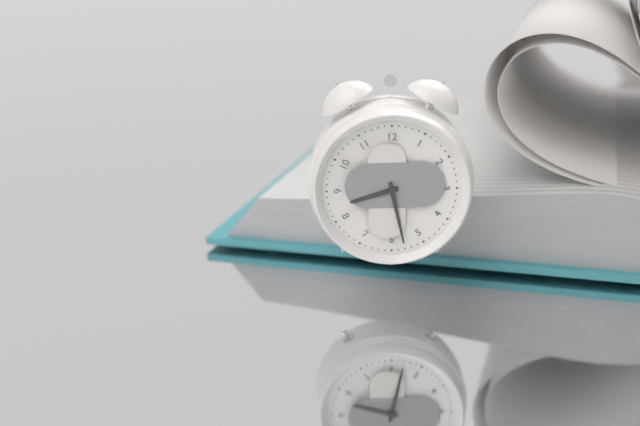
8:28
